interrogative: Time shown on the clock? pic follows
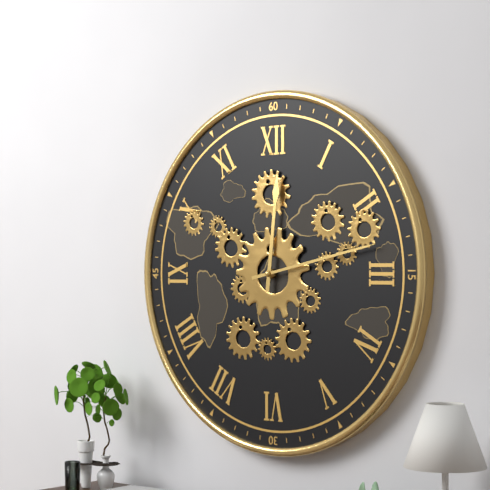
12:13
